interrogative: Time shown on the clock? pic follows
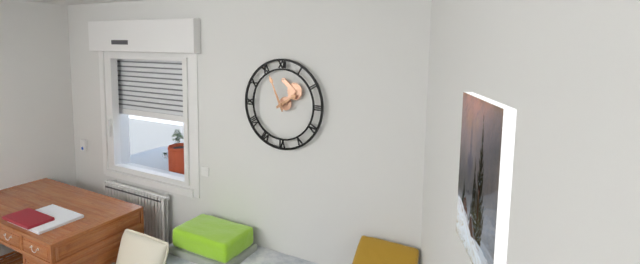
1:56
